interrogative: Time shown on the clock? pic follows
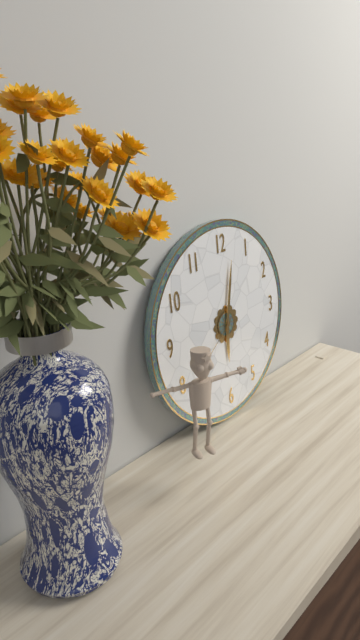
6:02
